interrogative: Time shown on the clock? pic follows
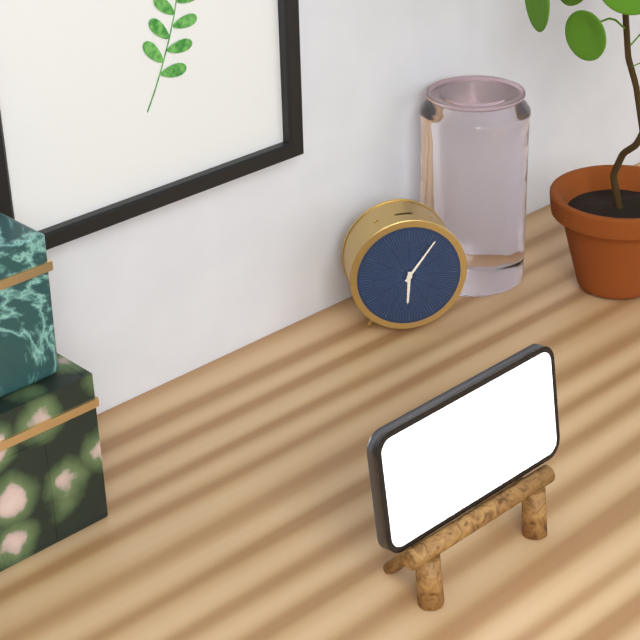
6:06
